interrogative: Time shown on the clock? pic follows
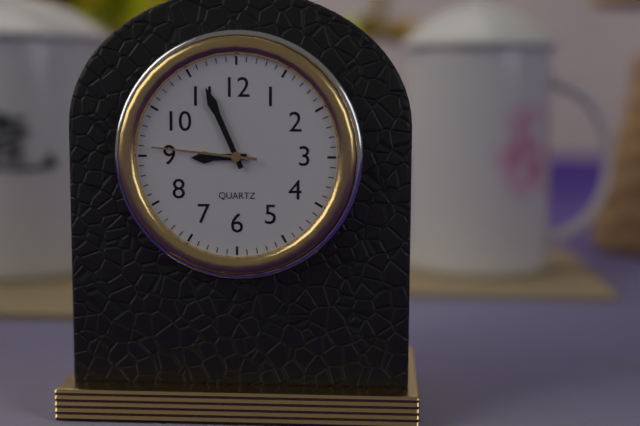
8:56:46
